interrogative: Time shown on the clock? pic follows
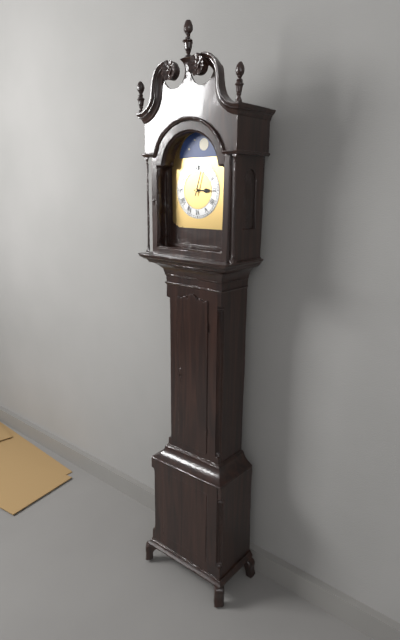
3:03
